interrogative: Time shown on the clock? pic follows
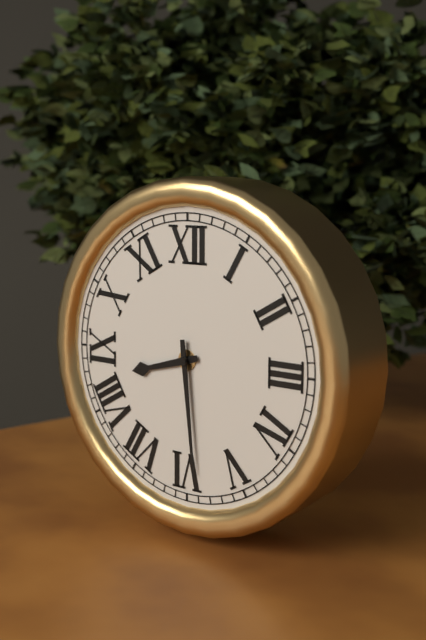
8:29
